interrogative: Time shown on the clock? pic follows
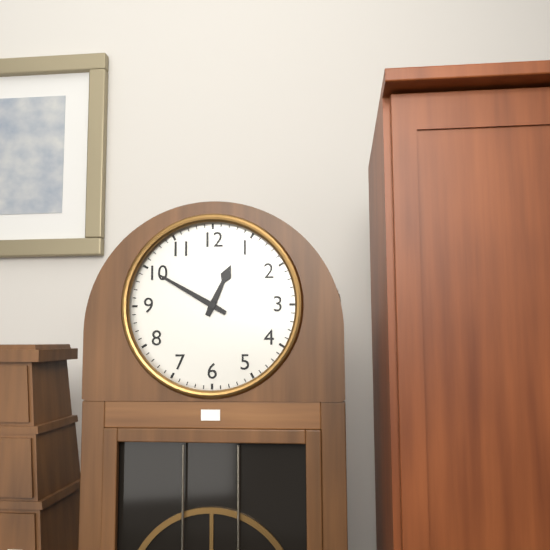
12:50
